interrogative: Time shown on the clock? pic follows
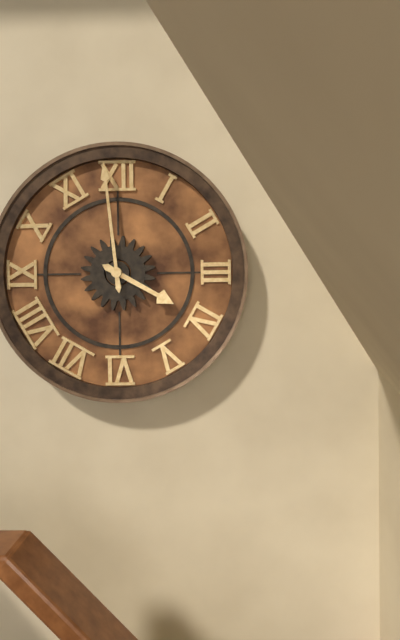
3:59
